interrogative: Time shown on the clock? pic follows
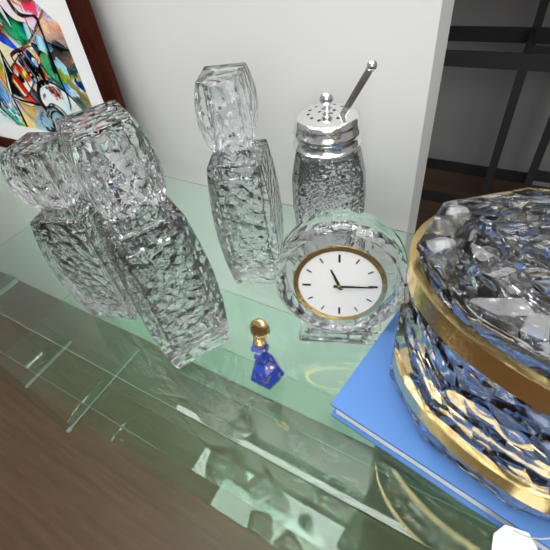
11:15
